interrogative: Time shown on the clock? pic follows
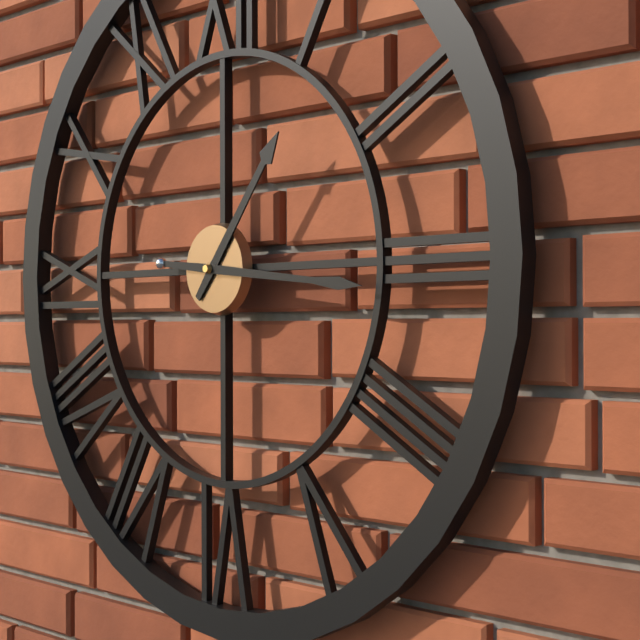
1:16
